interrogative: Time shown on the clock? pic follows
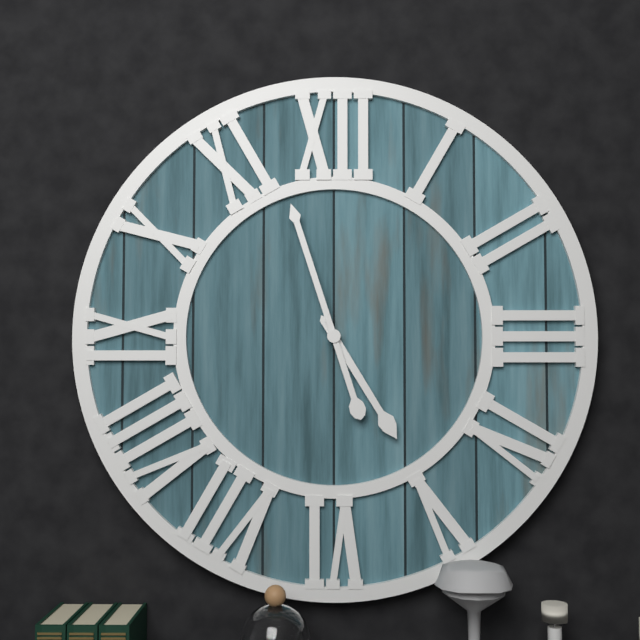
4:57
